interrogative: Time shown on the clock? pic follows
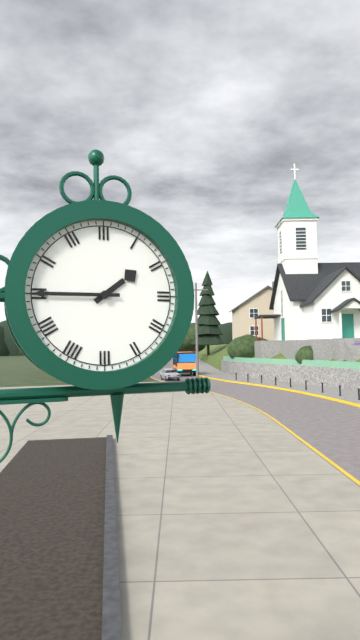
1:45
